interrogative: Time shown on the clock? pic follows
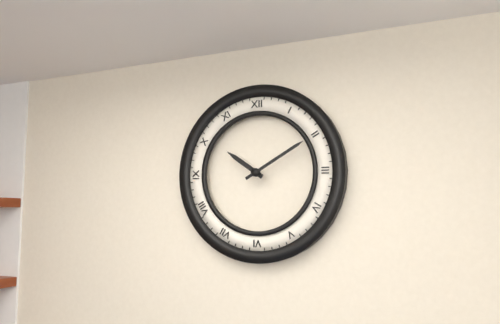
10:10
